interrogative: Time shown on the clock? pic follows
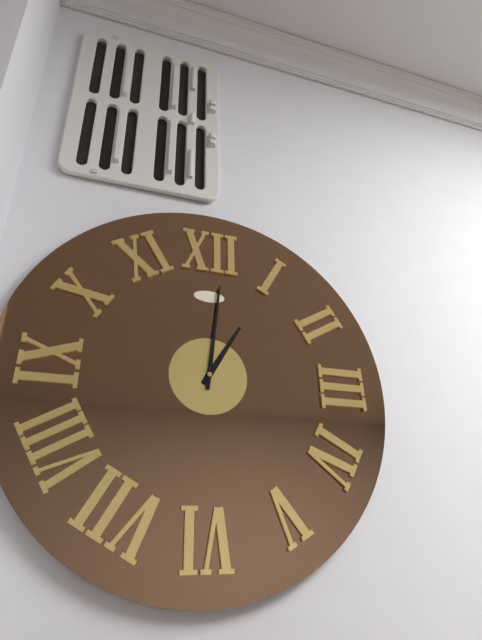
1:01
